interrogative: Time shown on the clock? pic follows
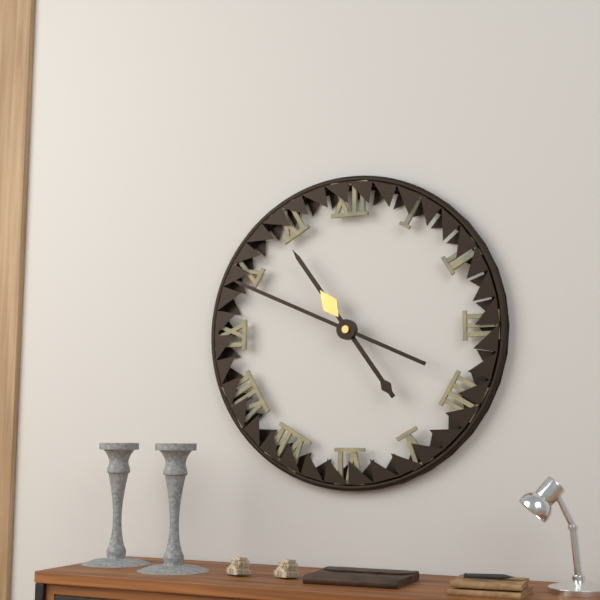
10:49
